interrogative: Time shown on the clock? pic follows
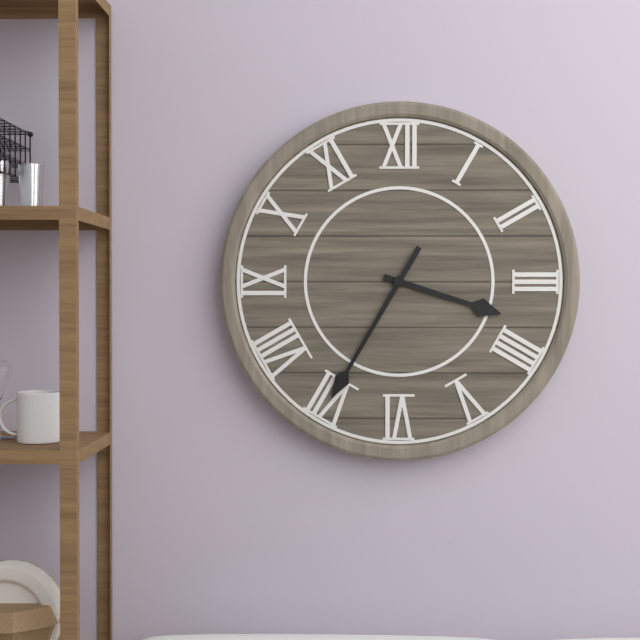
3:35
